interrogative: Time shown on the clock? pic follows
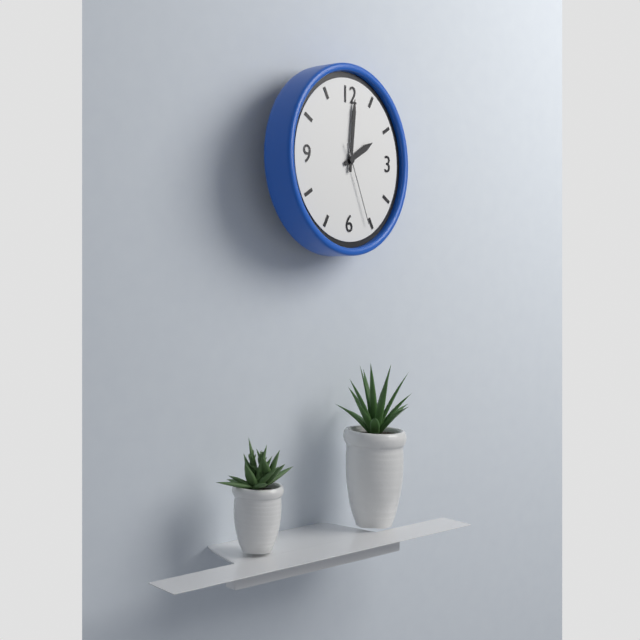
2:01:26
